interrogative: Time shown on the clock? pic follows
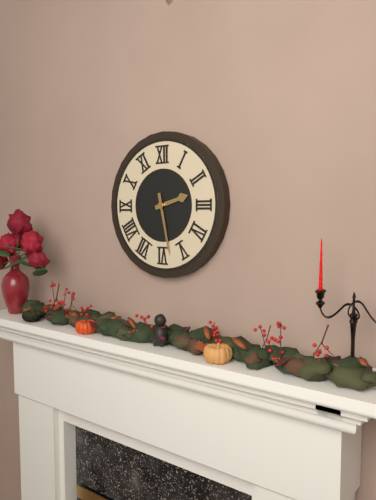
2:28
